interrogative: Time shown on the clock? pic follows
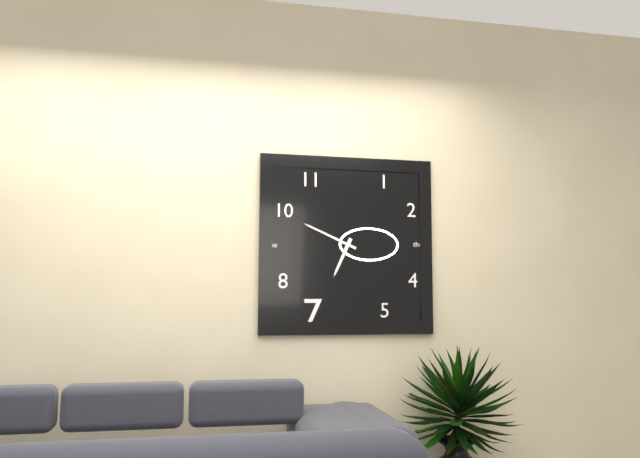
6:49
